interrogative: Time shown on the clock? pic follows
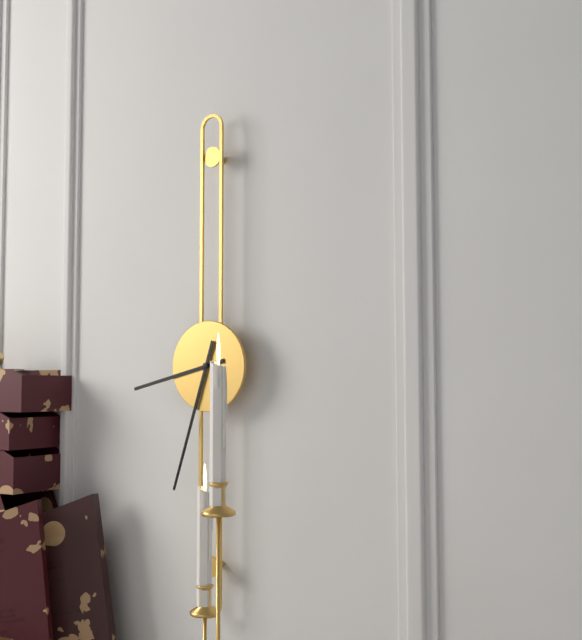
8:33
